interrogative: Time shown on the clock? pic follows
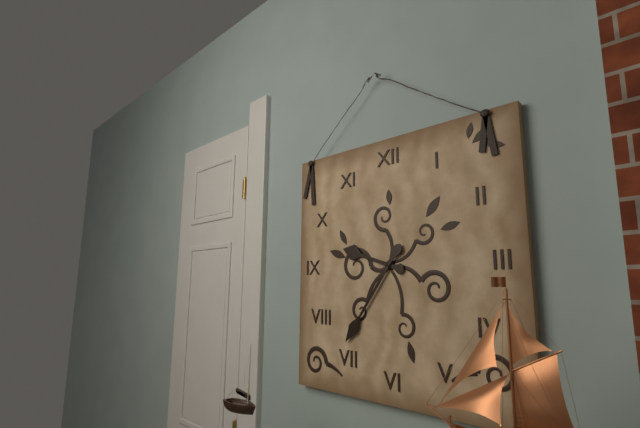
9:36
